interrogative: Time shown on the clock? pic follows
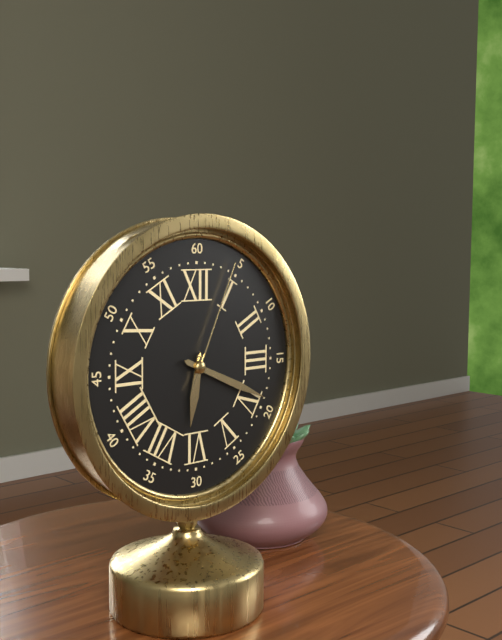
6:19:04
